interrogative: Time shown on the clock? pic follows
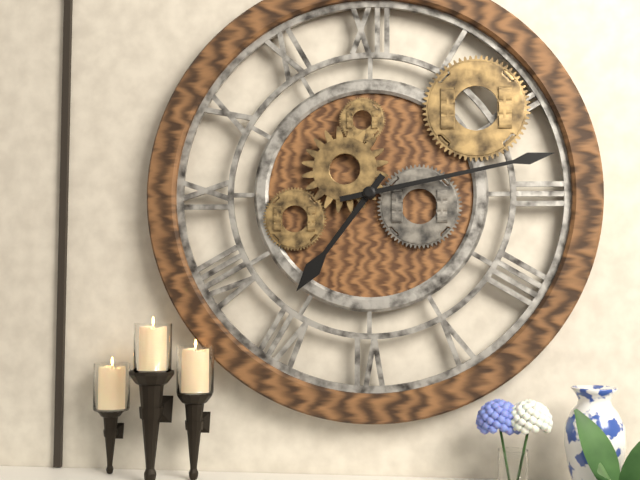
7:13
